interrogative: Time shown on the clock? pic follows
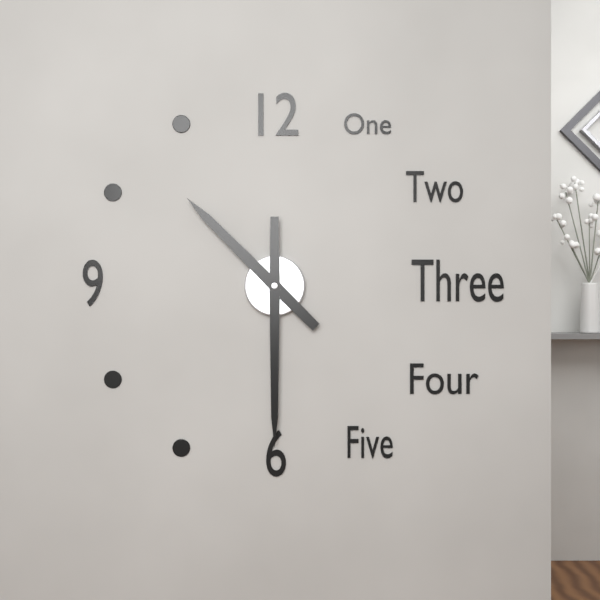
10:30
